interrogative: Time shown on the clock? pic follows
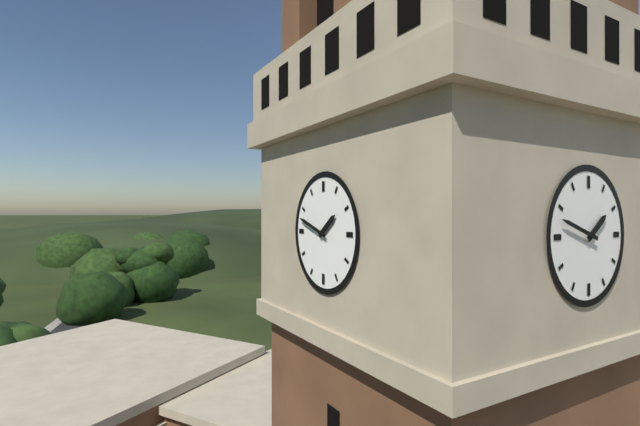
1:48
